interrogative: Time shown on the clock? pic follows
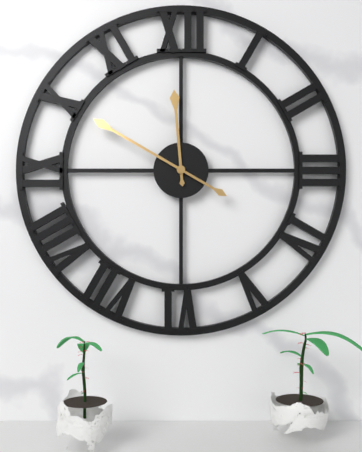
11:50
